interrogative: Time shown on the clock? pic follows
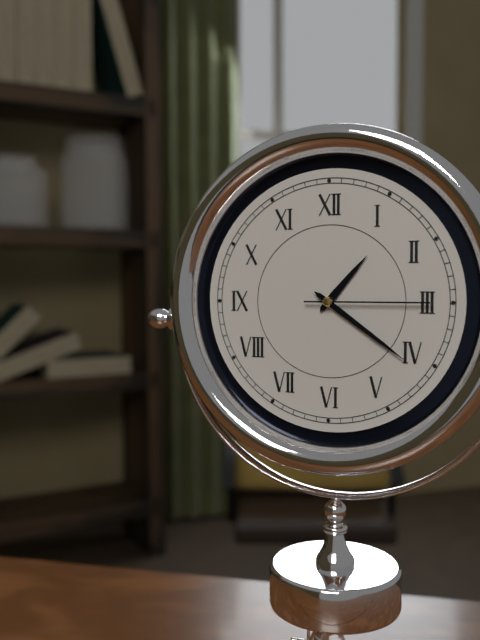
1:21:15
